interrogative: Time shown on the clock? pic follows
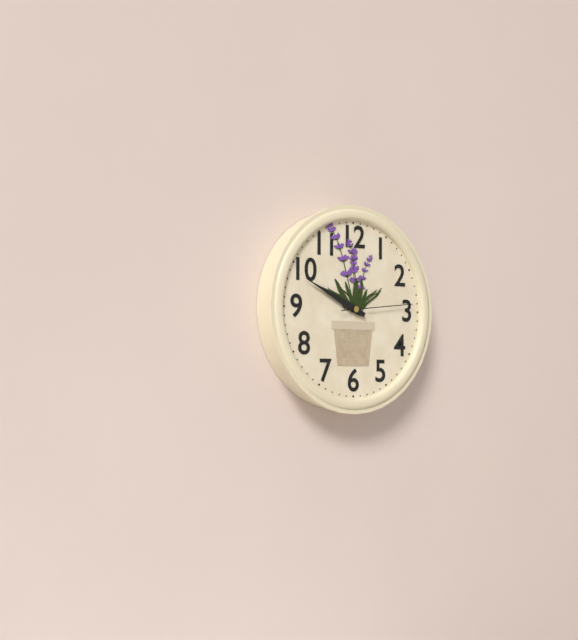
9:49:14
